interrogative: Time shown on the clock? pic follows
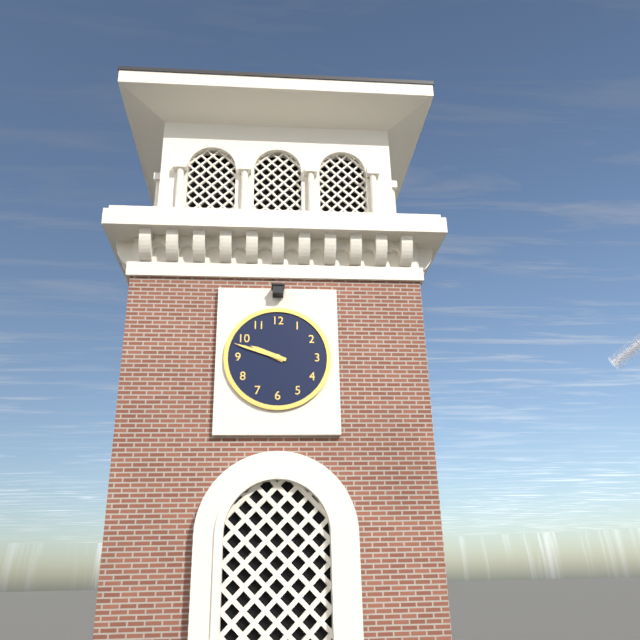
9:48
